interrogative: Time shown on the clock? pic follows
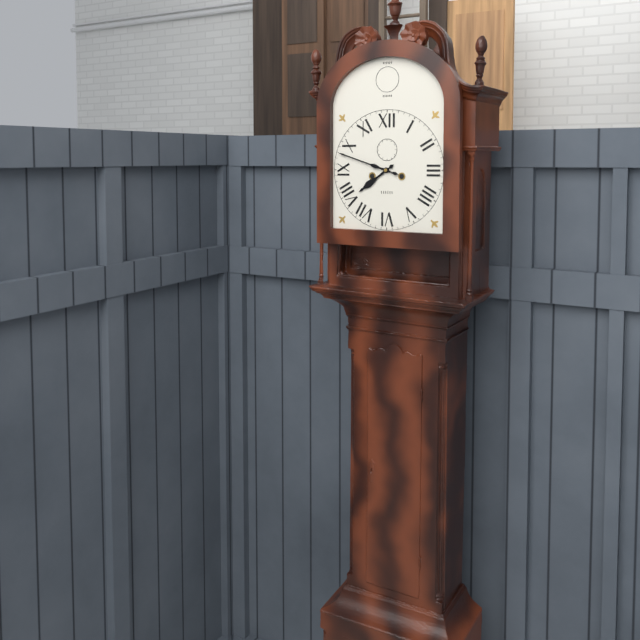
7:48
